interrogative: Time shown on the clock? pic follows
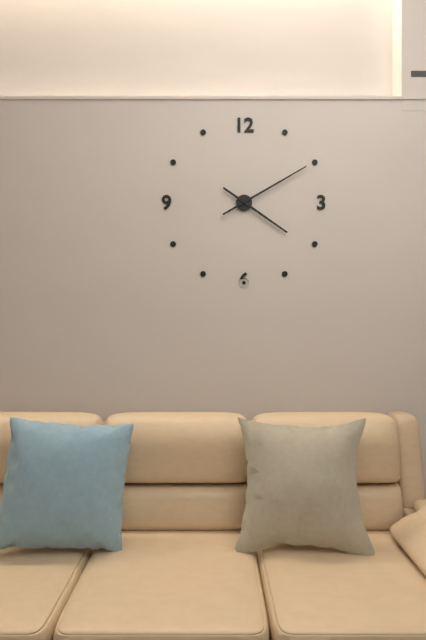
4:10
